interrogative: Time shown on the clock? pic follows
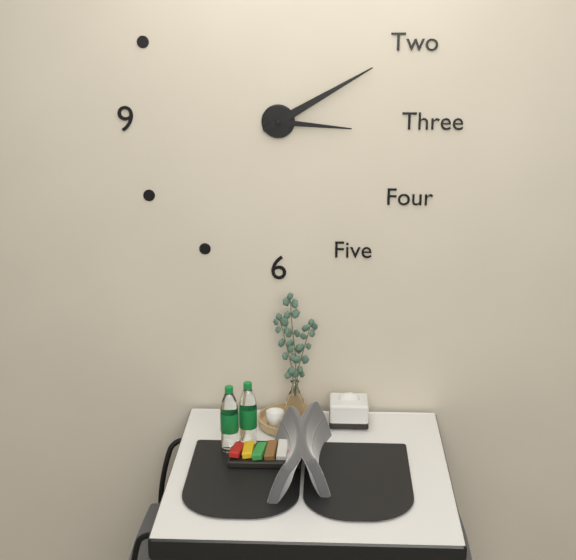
3:10
